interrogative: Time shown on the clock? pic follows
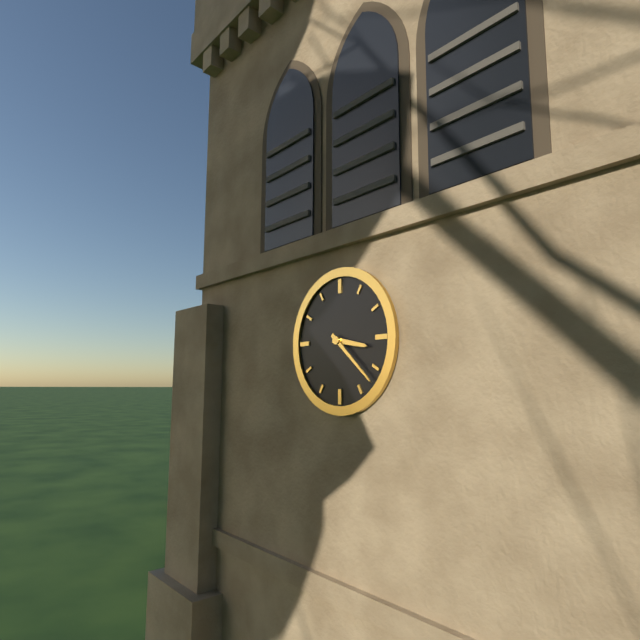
3:22
